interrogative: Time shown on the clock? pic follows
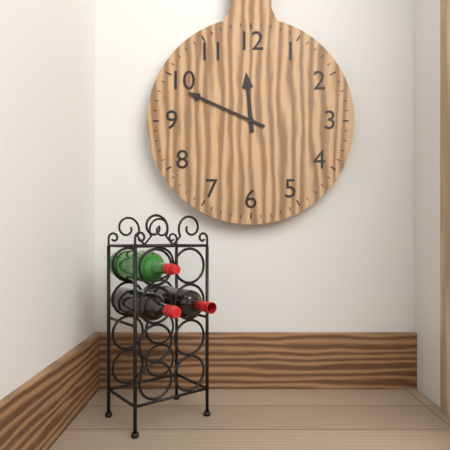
11:49
